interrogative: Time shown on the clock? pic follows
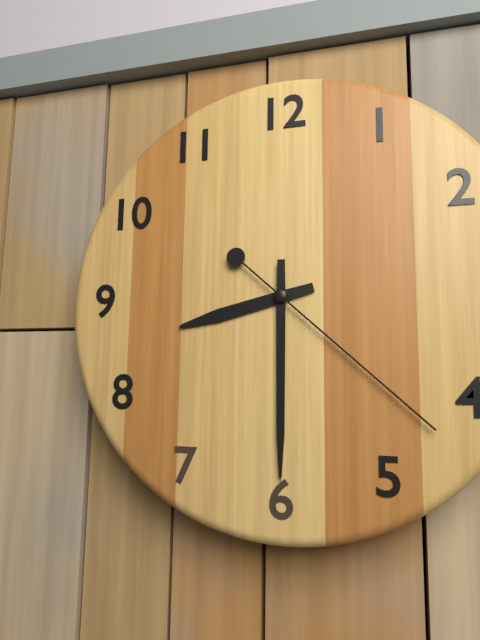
8:30:22
